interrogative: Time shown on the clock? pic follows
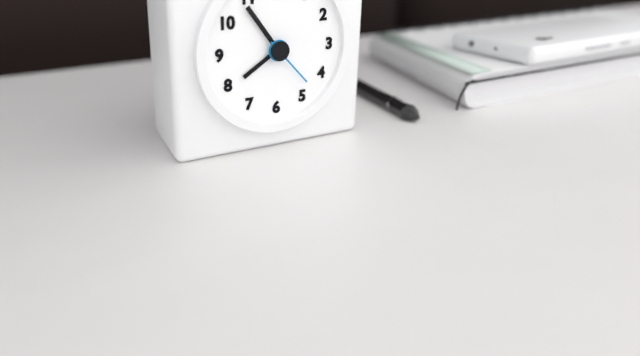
7:54:23
